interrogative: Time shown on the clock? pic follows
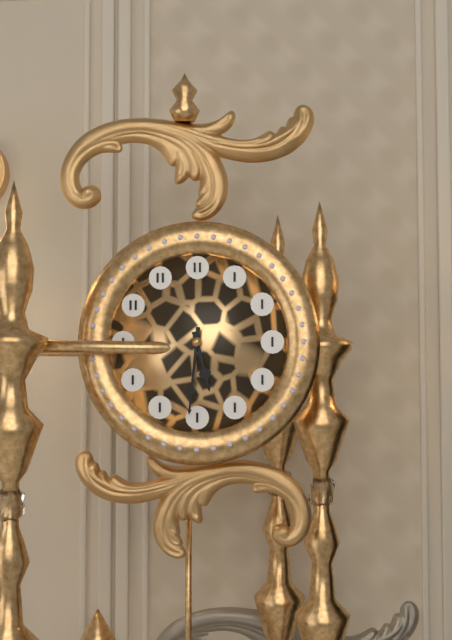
5:31
